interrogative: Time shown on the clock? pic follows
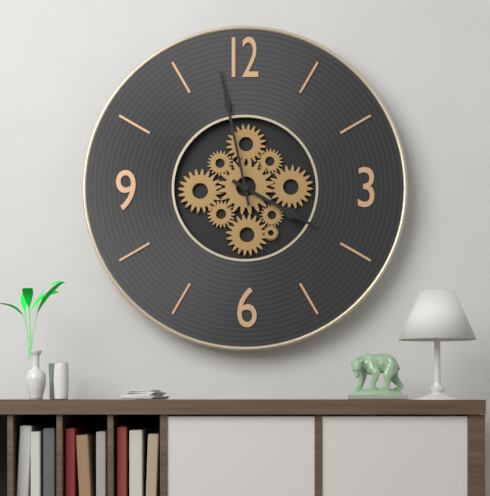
3:58
